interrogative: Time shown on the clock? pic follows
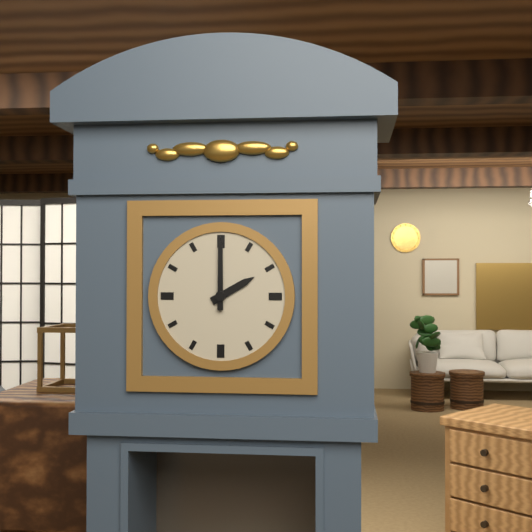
2:00
